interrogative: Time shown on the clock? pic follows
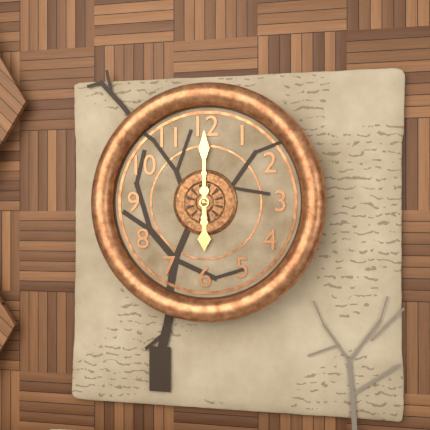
6:00
